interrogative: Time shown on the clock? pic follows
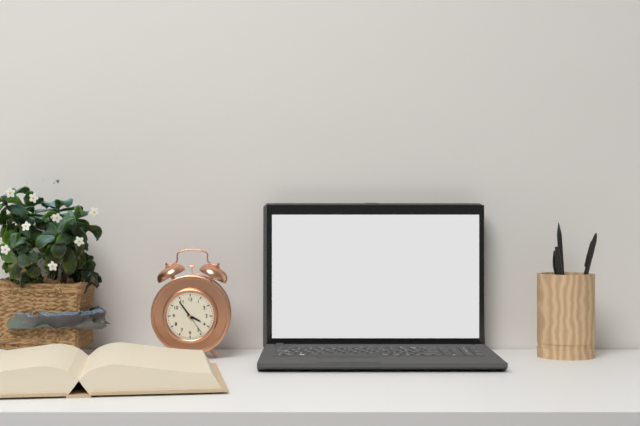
3:54
